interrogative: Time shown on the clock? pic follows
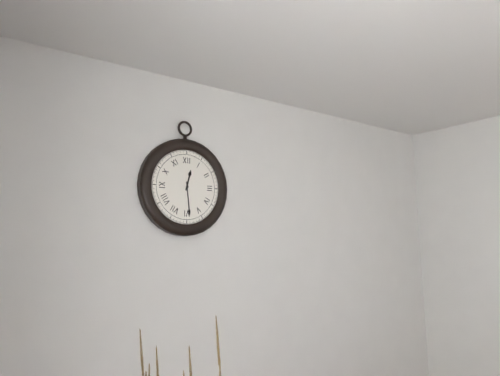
12:29
